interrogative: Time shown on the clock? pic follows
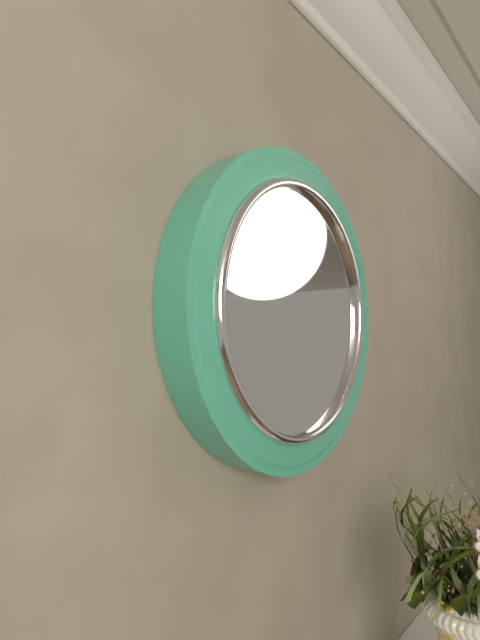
8:44
